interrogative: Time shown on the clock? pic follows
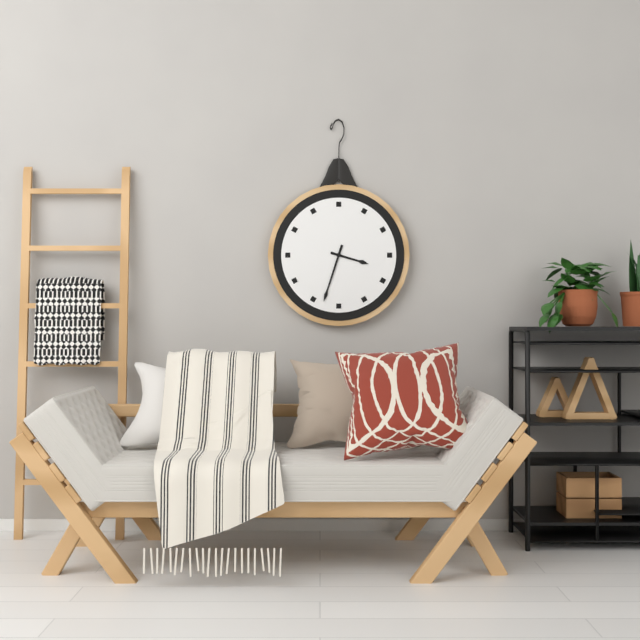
3:33
